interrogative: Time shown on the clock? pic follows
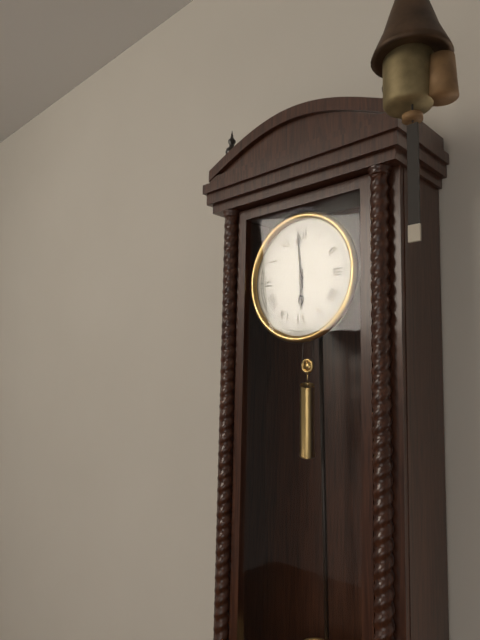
5:59
